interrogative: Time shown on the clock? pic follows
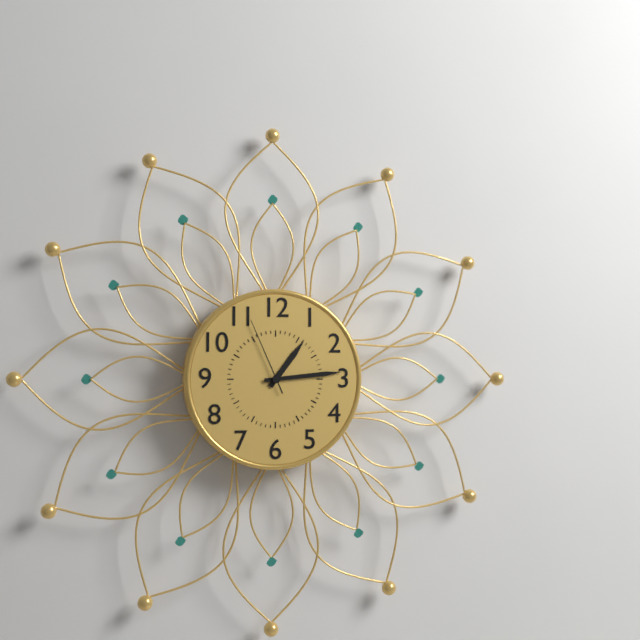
1:14:56
